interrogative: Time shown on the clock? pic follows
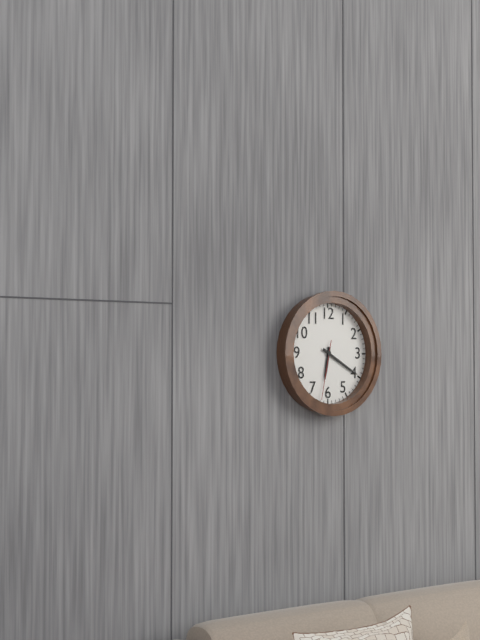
6:20:32
